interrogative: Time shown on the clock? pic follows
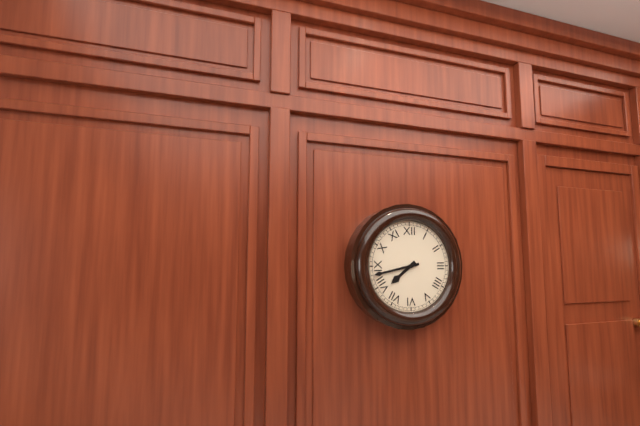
7:43
